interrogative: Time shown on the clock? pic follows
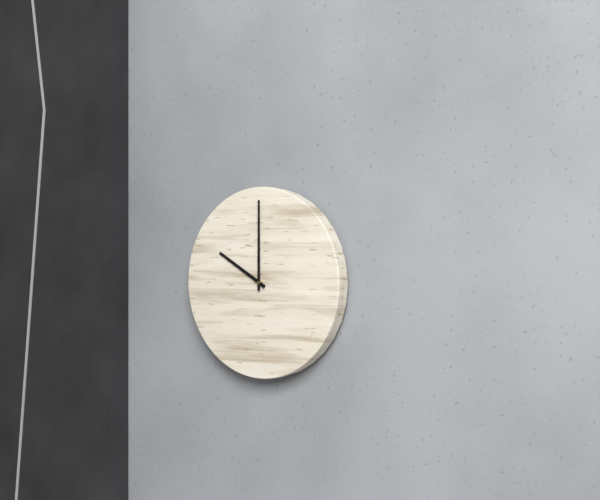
10:00
